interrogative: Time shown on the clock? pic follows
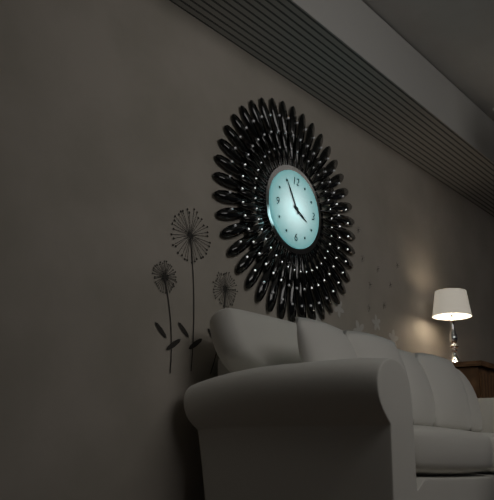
3:55
